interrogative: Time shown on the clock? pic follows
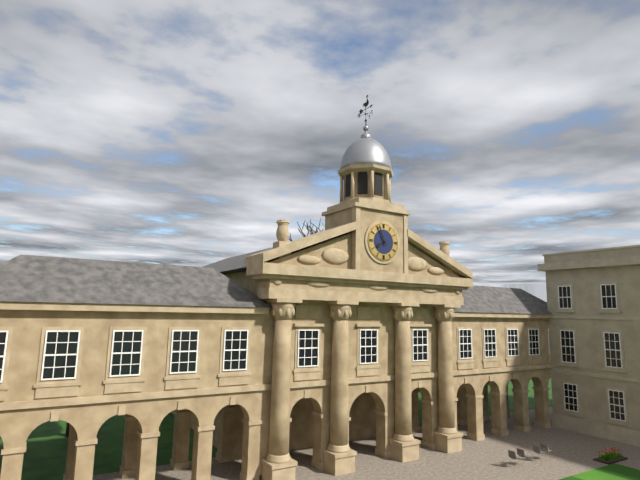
7:56
